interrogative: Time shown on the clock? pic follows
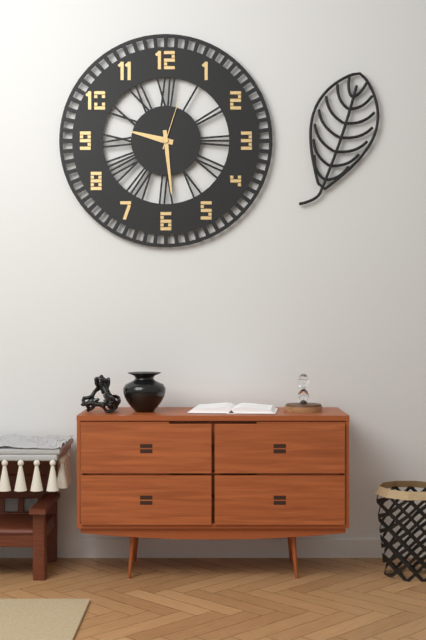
9:29:03
